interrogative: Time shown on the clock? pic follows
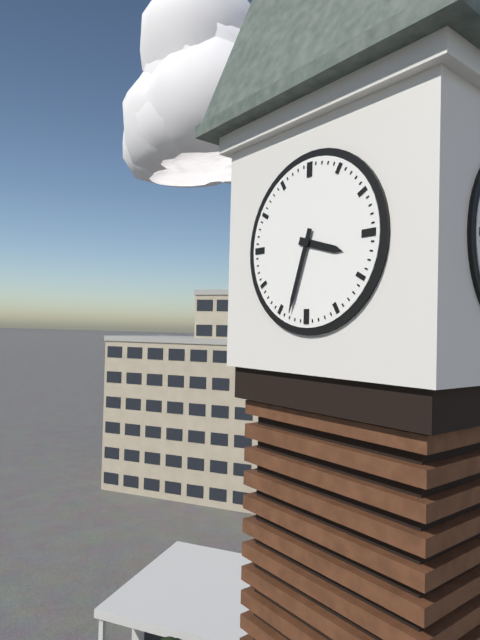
3:33
